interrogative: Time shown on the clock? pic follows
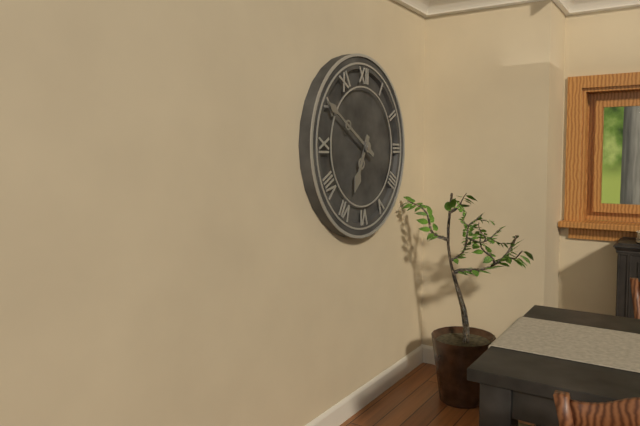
6:50
